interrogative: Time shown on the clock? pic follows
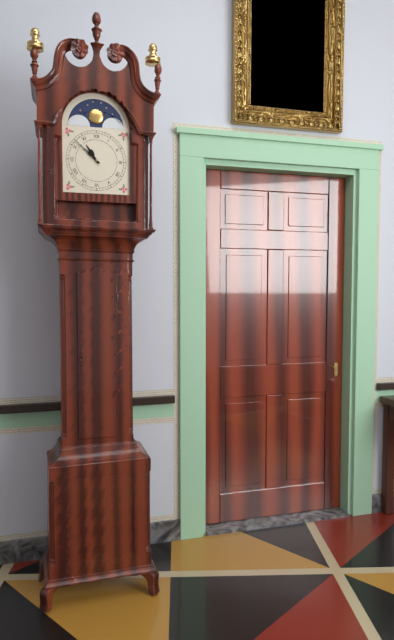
10:52
